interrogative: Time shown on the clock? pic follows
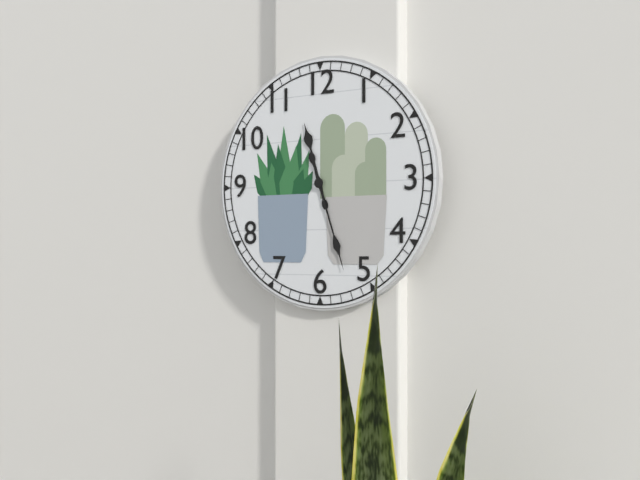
11:27
